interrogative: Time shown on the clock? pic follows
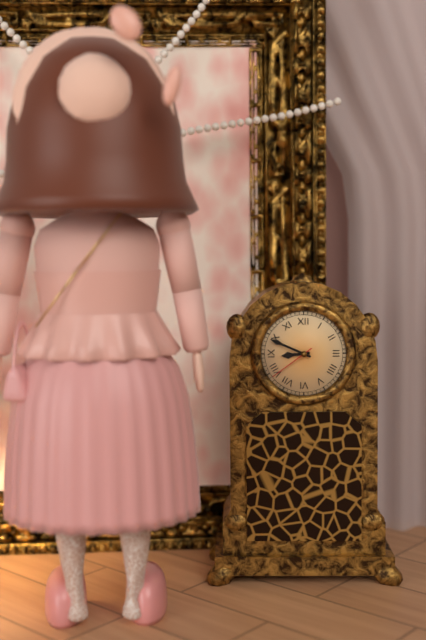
8:49
